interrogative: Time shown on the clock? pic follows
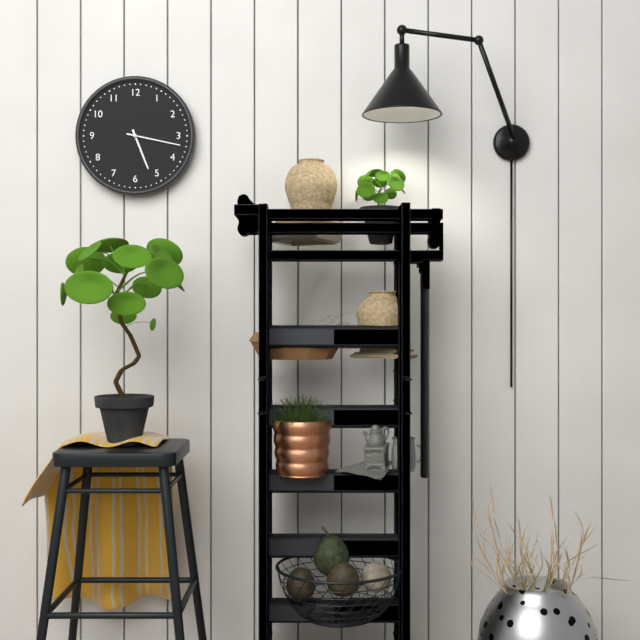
5:17
